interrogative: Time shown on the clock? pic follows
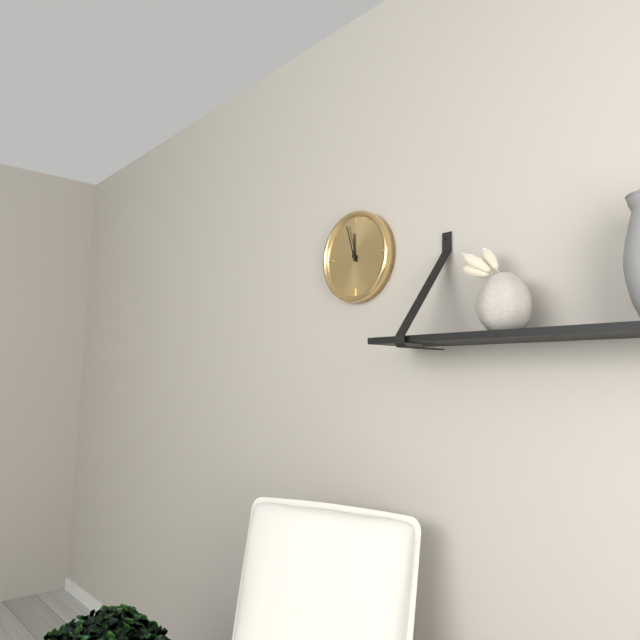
11:57
